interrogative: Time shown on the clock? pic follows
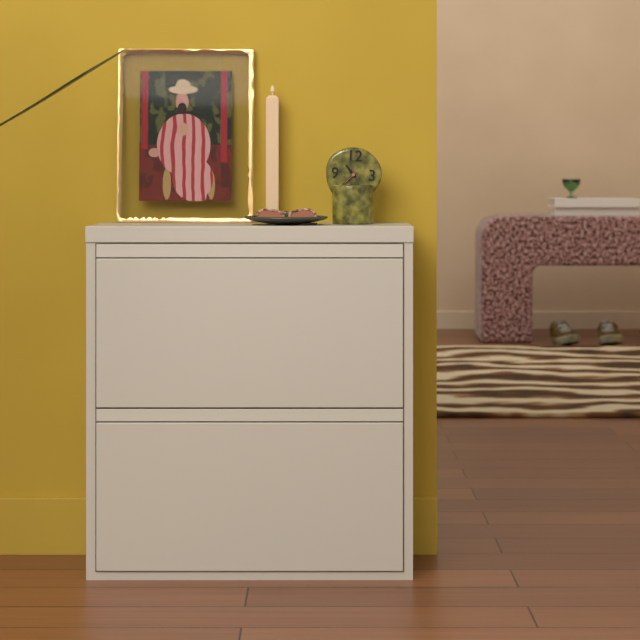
10:37
